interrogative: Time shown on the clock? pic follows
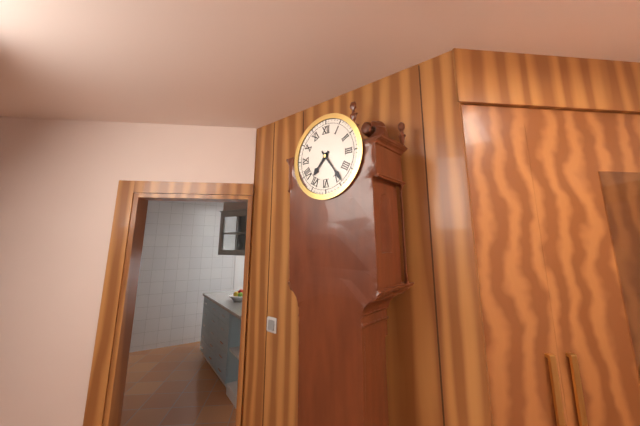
7:24
